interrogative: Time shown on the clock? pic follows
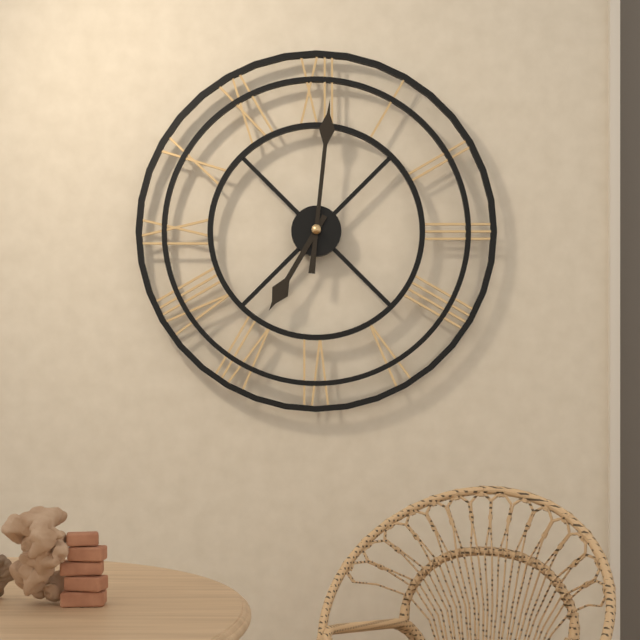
7:01
